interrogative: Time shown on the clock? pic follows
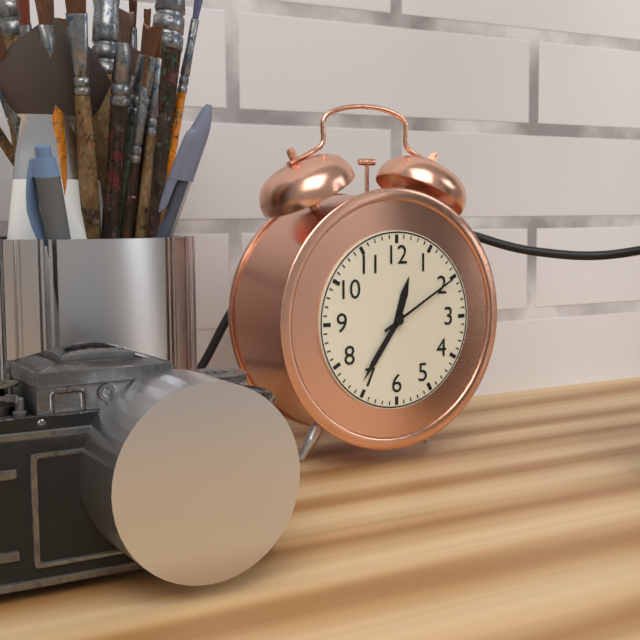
12:36:10
